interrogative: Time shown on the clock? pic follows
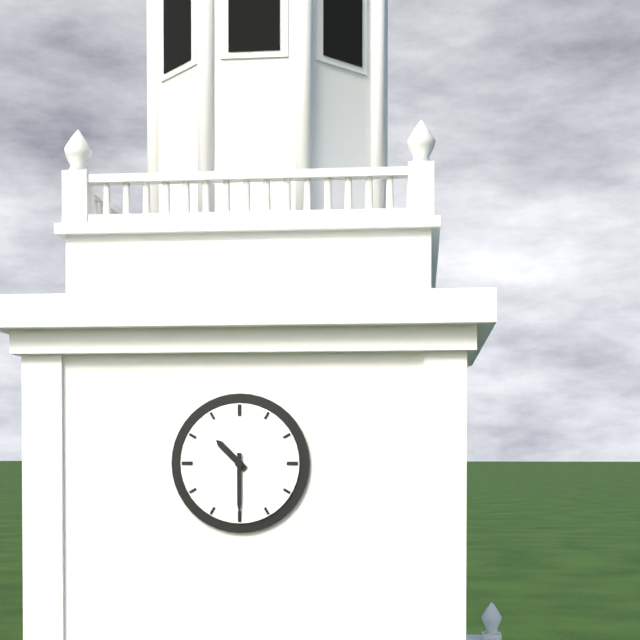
10:30
